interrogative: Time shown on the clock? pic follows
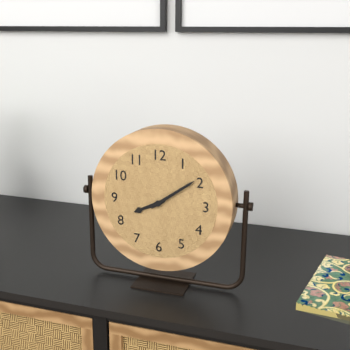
8:09
